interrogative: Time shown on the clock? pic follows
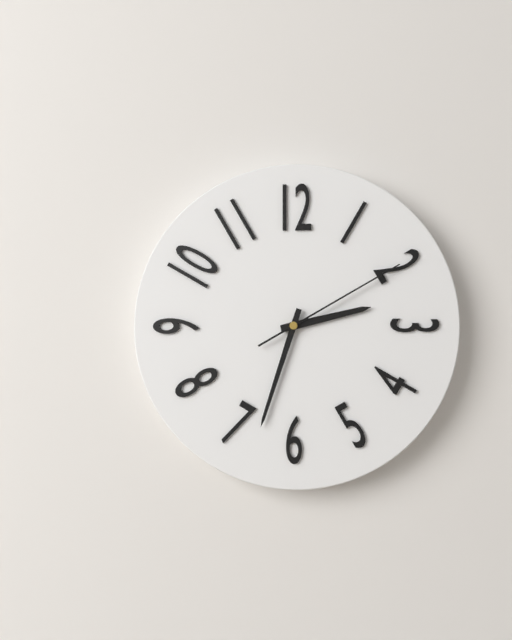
2:33:10
